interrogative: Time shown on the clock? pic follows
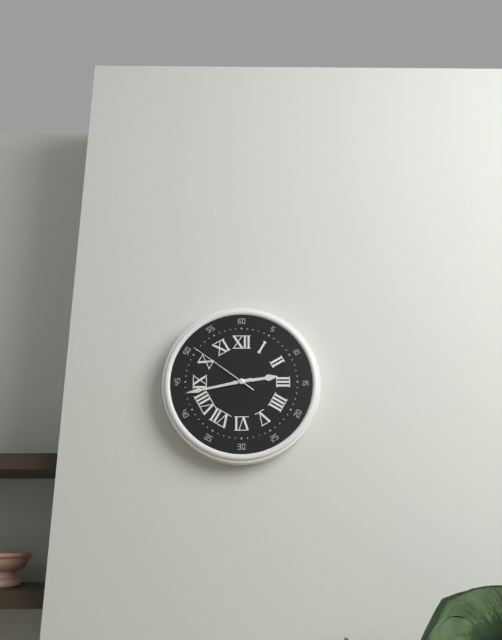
2:43:51
